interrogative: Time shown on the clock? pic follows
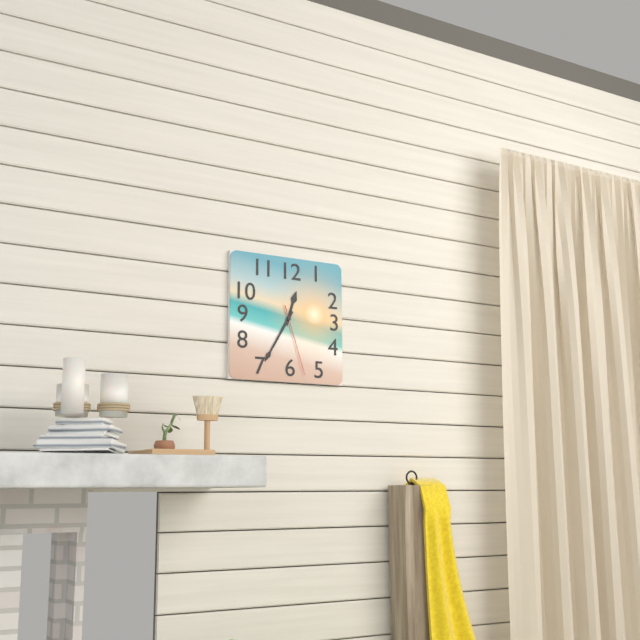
12:35:27
